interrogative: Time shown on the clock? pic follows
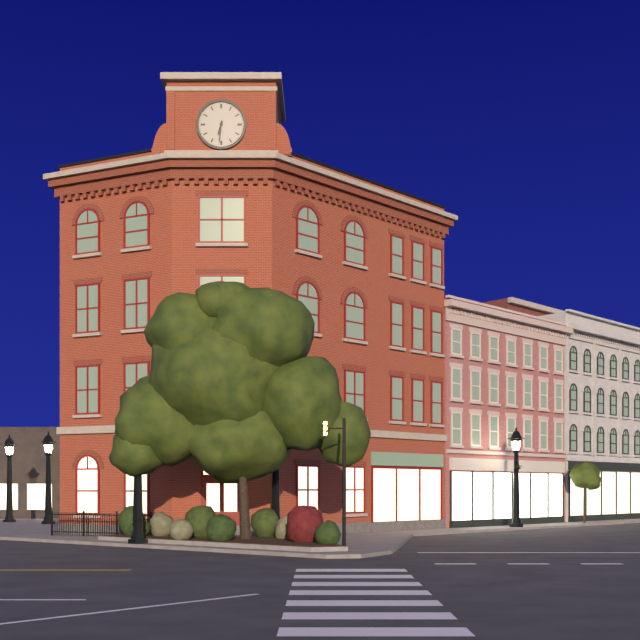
6:31
